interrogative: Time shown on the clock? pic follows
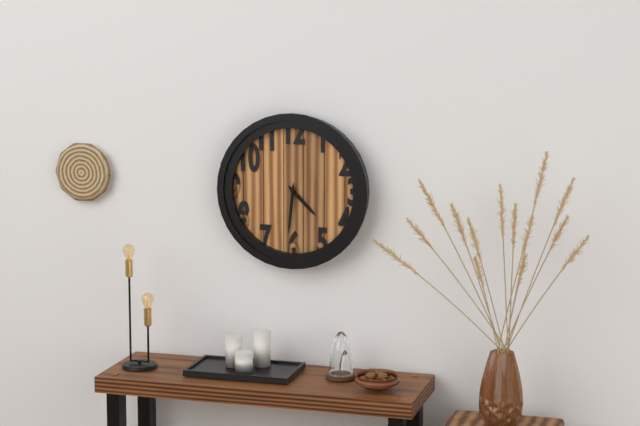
4:31
